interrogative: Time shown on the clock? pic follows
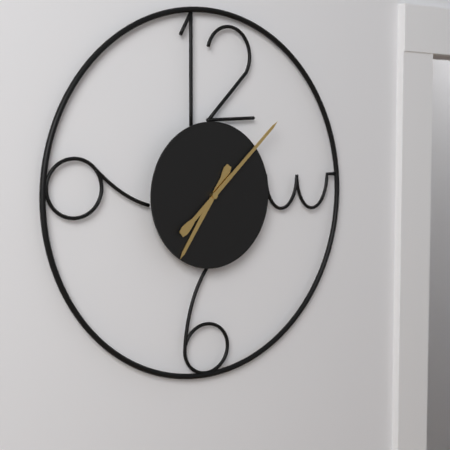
7:08
